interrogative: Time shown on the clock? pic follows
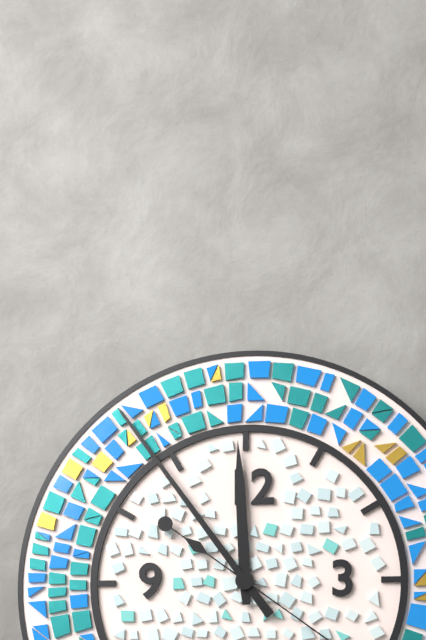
11:54
